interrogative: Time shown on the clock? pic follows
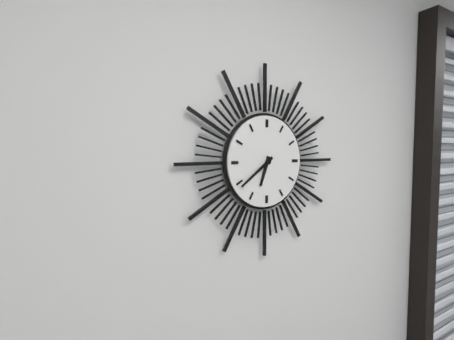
6:39
